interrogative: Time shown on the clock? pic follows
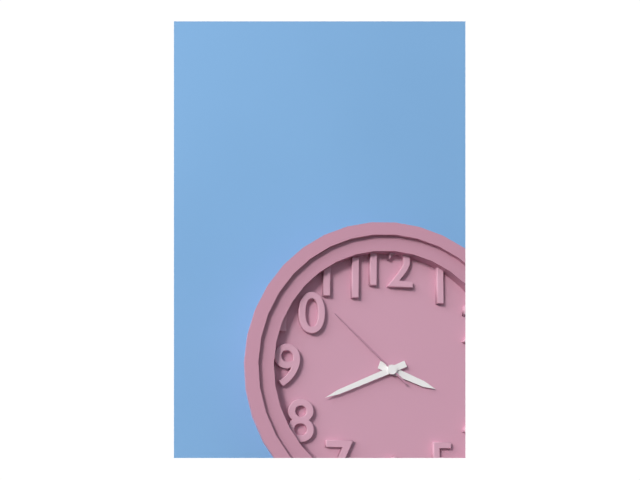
3:41:52
